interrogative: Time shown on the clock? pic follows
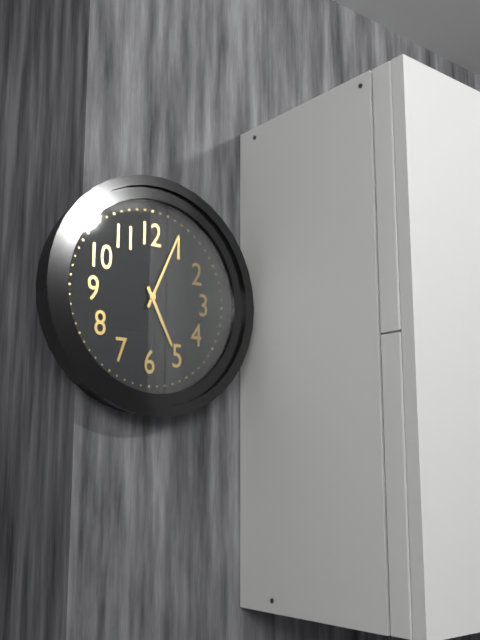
5:04
